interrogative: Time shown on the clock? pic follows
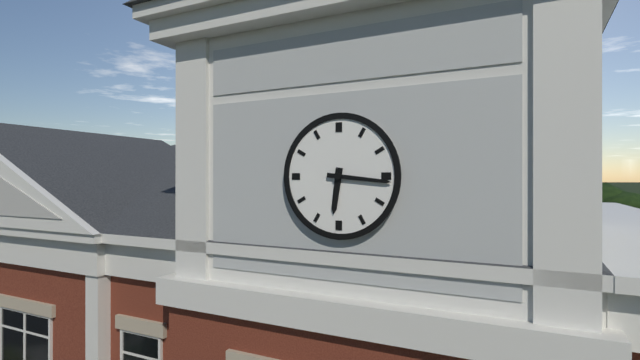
6:16
